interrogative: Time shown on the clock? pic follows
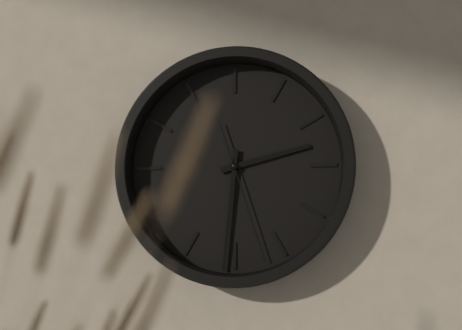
2:31:27
